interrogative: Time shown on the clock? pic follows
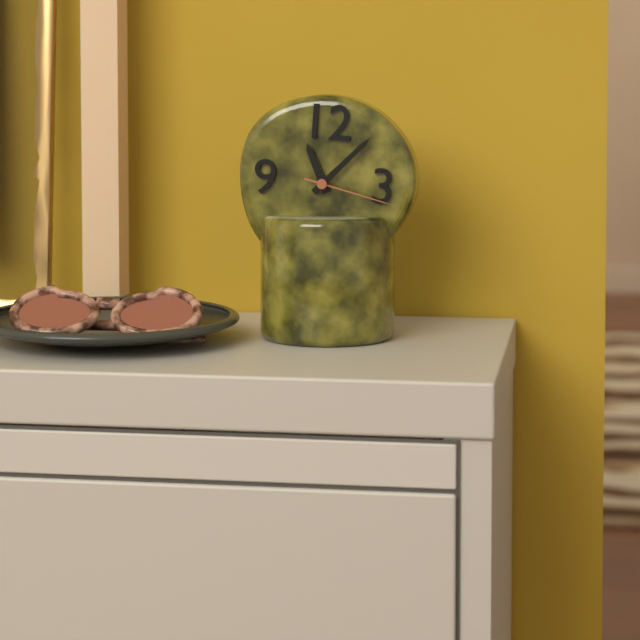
11:07:17
